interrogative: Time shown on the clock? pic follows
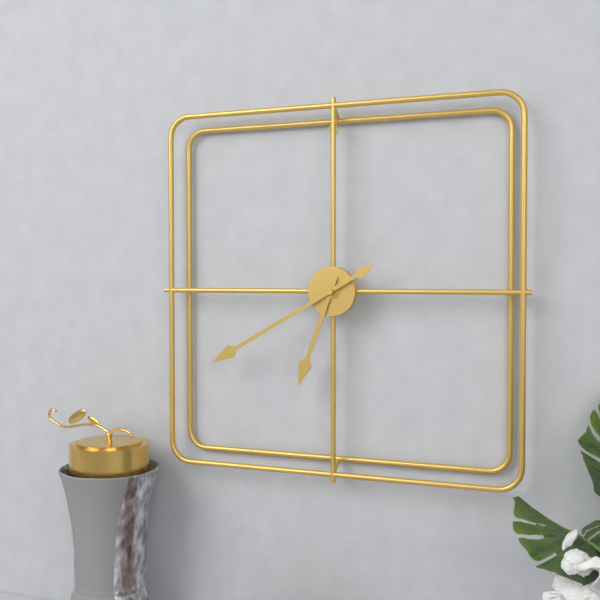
6:40
